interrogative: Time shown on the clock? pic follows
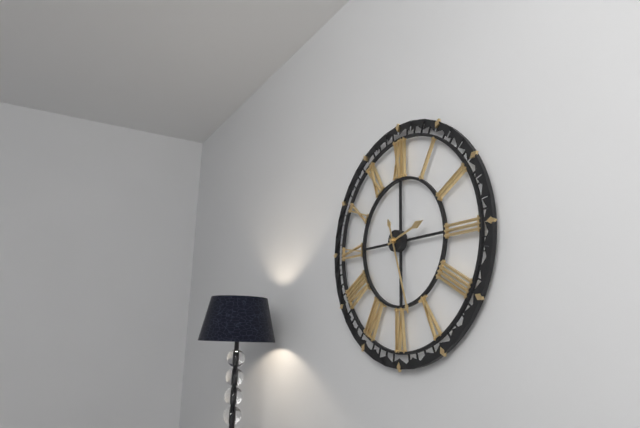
2:27
